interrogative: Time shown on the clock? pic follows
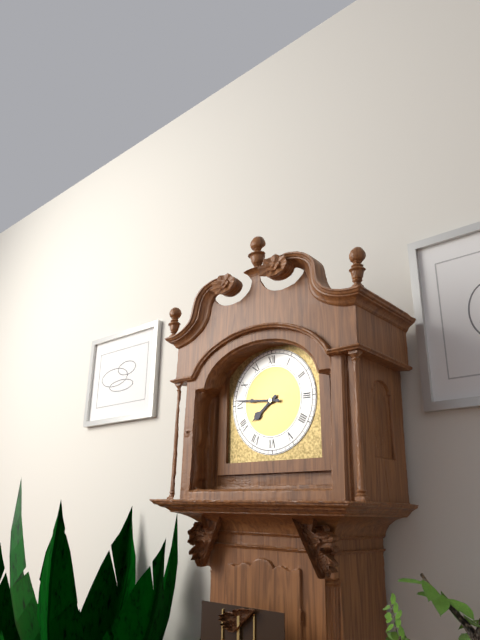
7:46
